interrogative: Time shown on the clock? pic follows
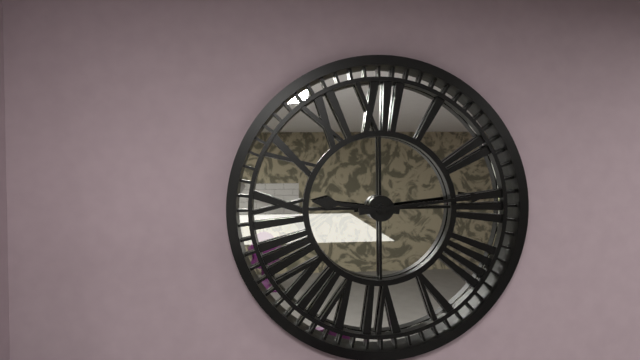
9:14
